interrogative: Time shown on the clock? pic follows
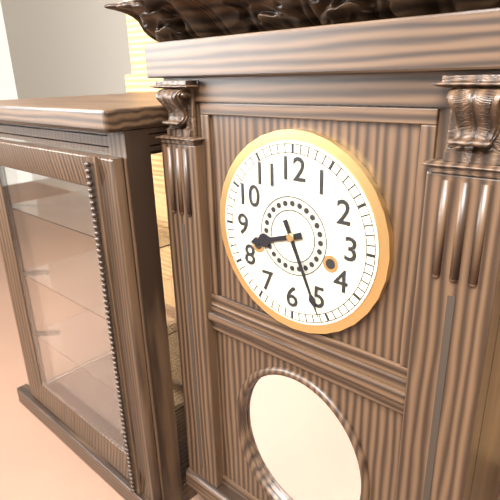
8:26
